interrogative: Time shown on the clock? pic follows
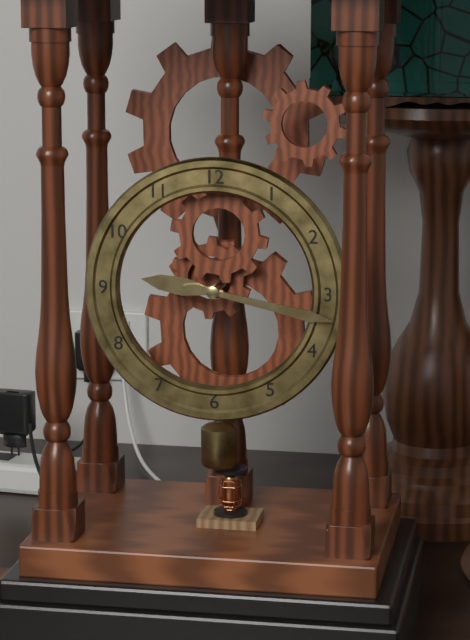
9:17
